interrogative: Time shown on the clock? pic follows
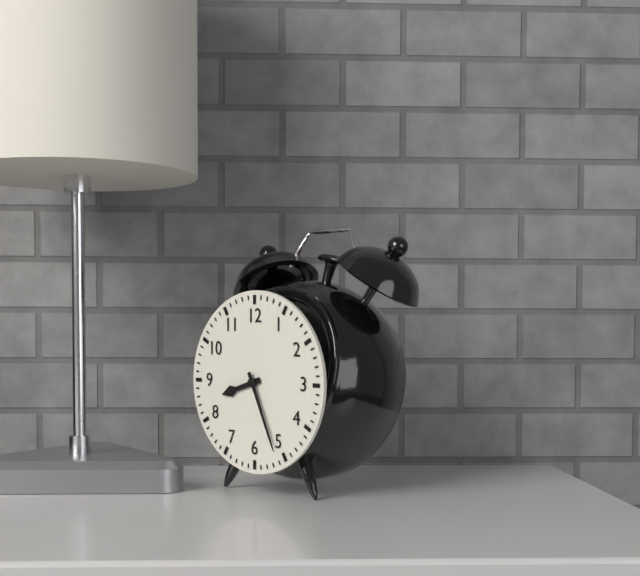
8:26
